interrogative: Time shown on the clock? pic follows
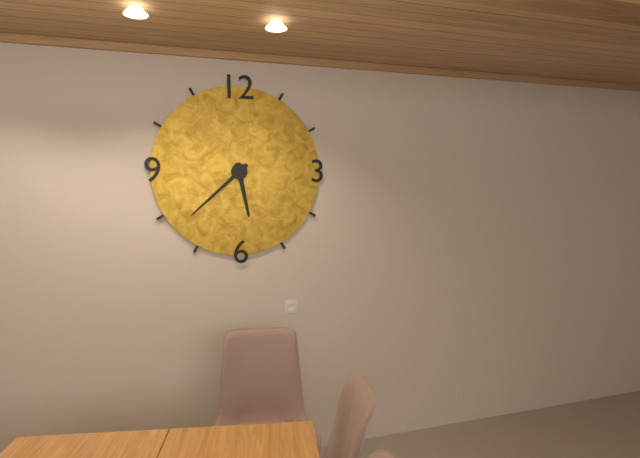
5:38
